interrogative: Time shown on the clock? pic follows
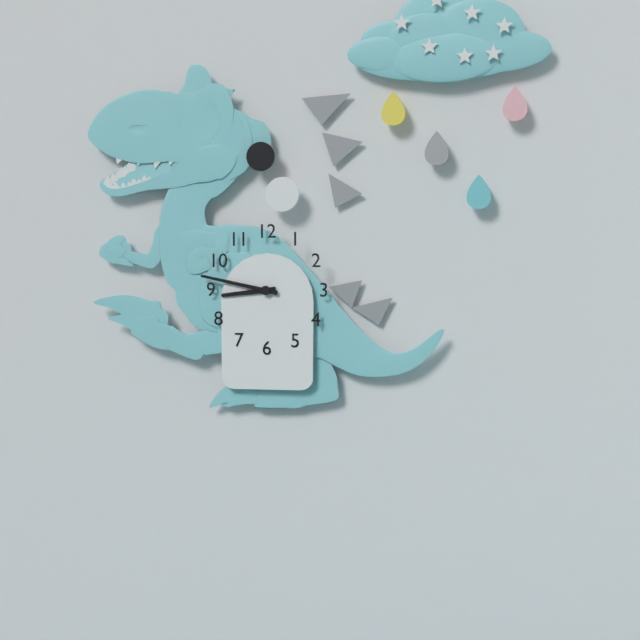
8:47
